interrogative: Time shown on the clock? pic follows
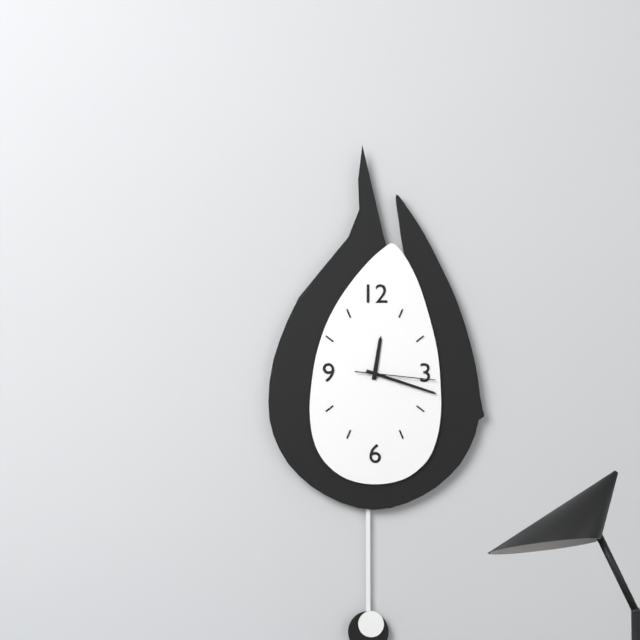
12:18:16
